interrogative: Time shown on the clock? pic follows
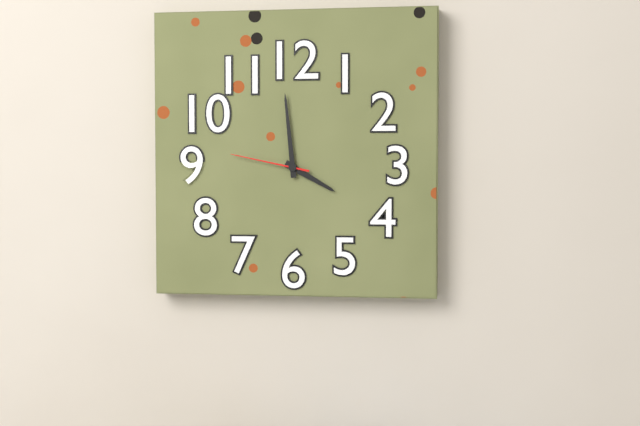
3:59:47
